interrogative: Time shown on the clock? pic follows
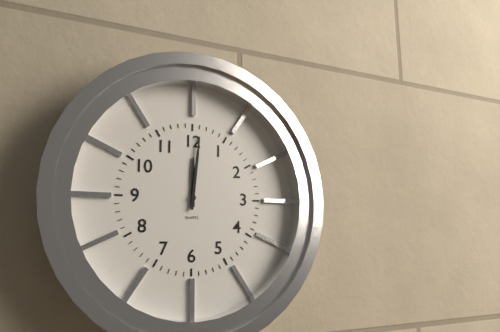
12:01
